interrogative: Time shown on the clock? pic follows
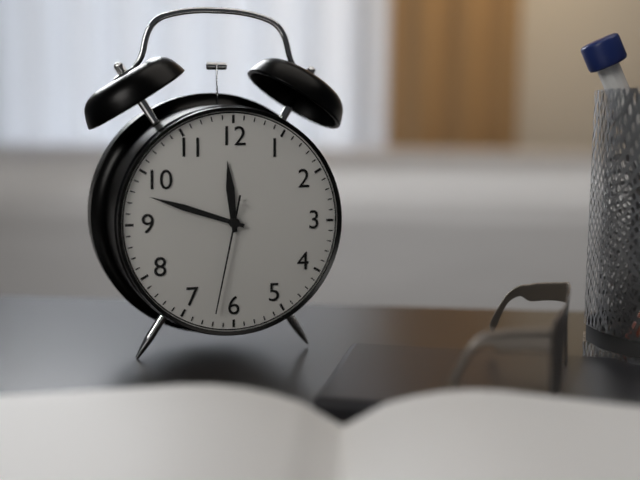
11:48:32
